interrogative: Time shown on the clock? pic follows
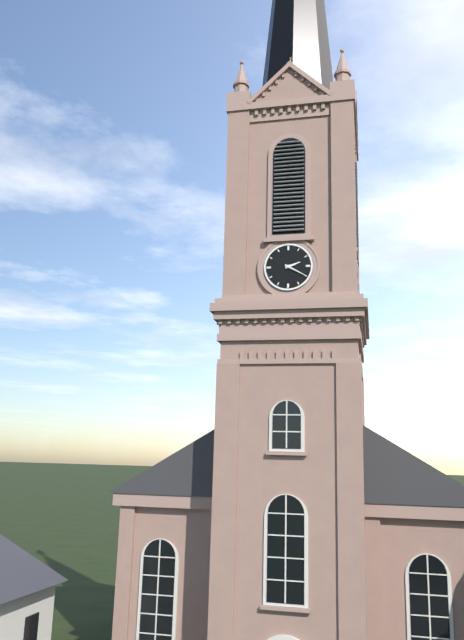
2:20
